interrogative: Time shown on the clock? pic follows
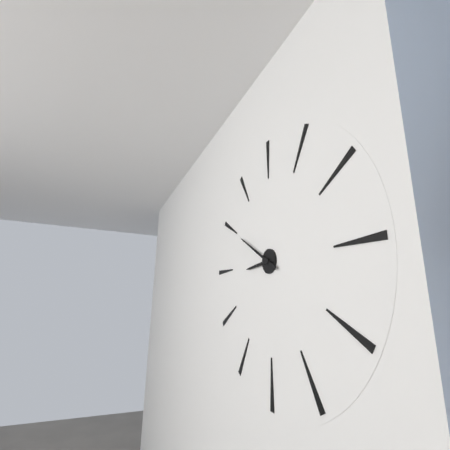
8:50
